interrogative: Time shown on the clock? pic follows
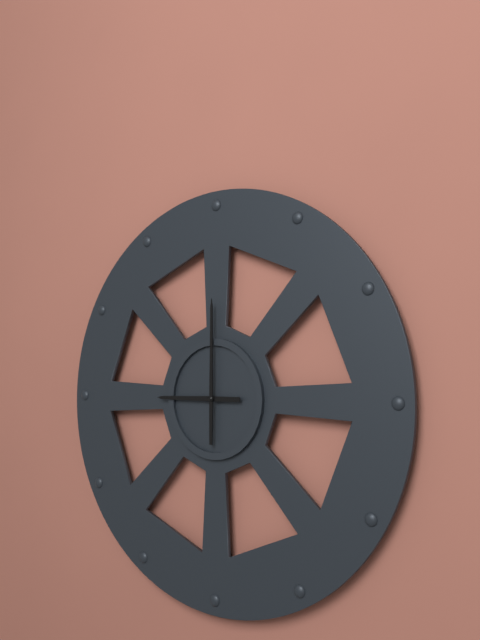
9:00
